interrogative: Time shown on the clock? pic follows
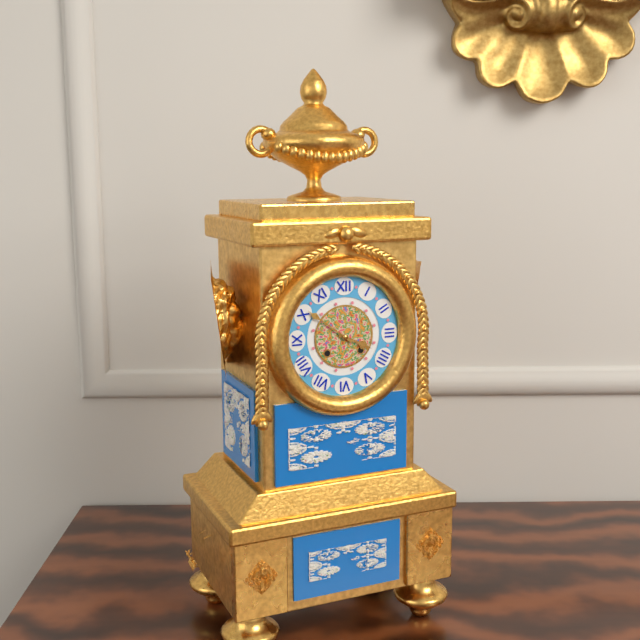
3:51
